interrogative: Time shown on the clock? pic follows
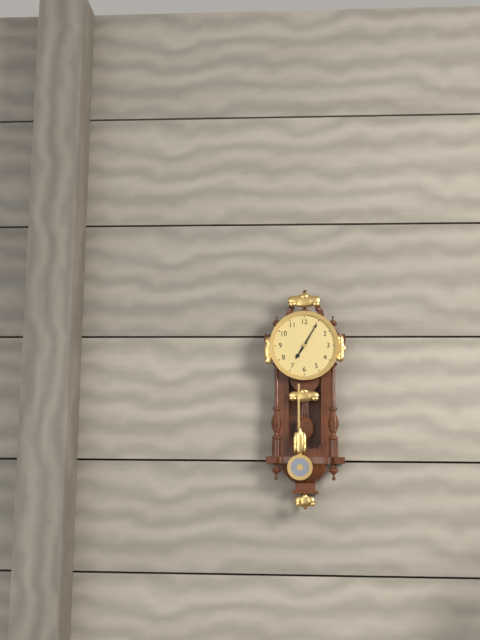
7:05
